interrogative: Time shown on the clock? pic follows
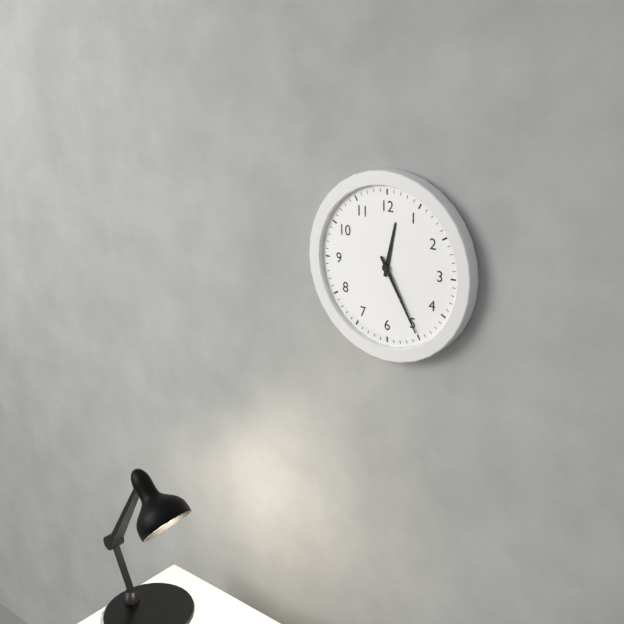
12:25
